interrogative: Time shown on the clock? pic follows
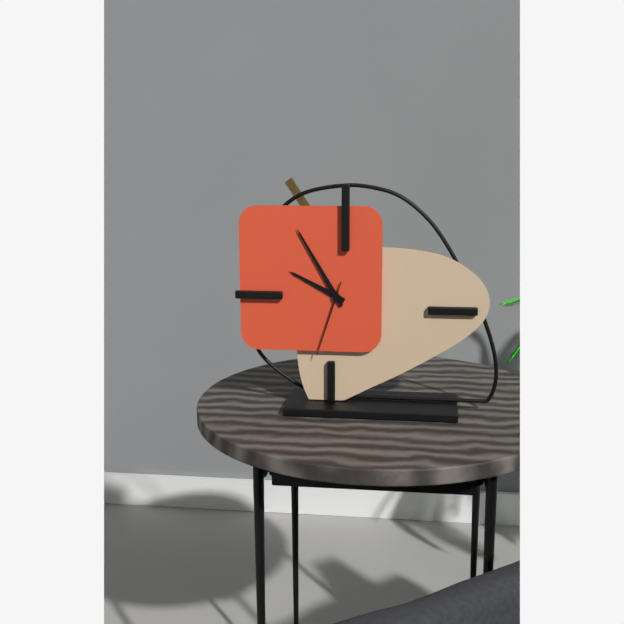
9:55:33
